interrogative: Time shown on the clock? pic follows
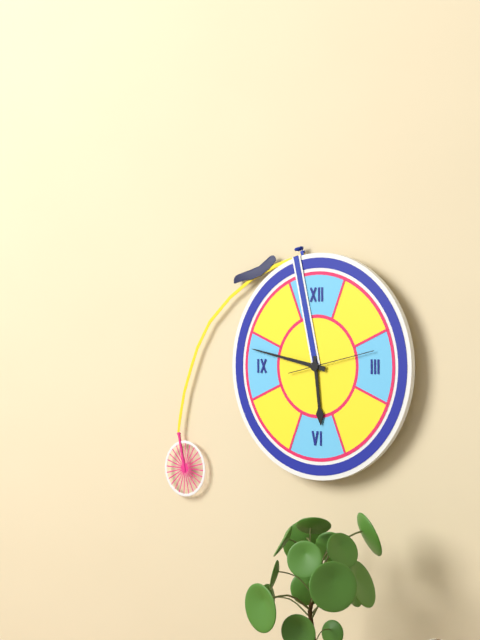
5:47:13
